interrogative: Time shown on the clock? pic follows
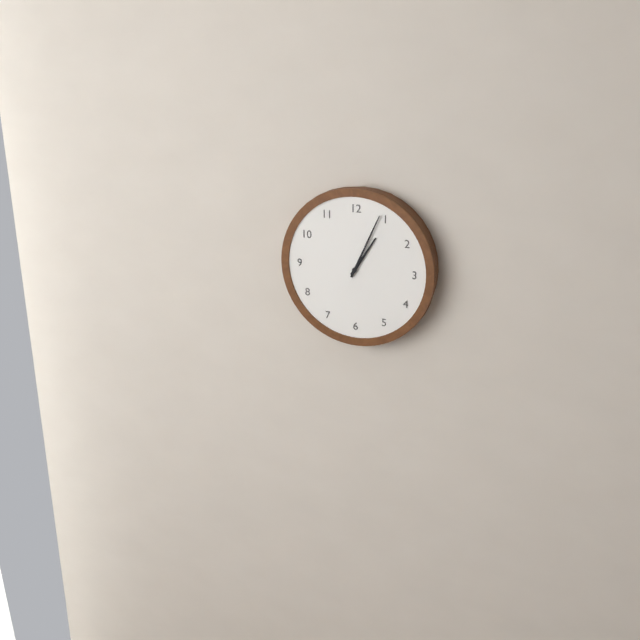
1:04
